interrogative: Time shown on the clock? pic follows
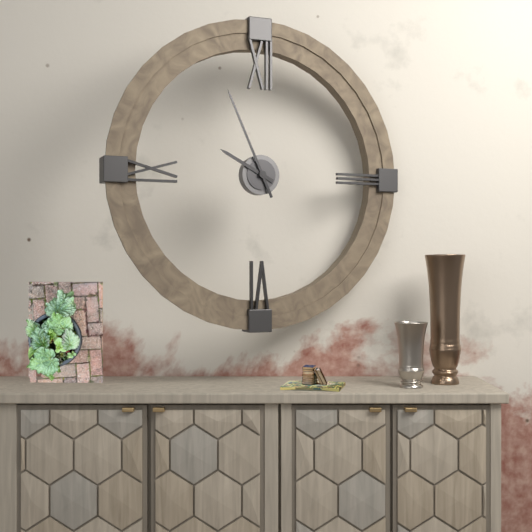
9:56
